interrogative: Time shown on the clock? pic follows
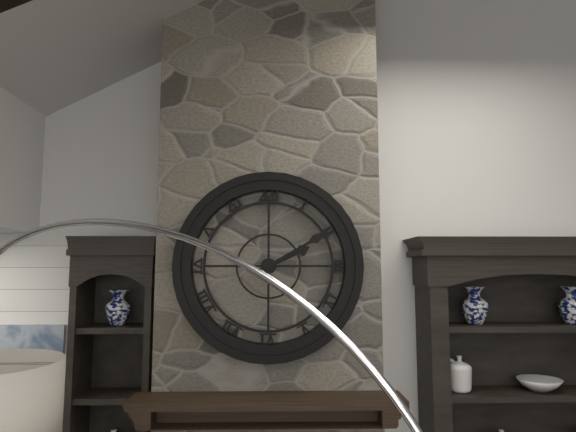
2:10
